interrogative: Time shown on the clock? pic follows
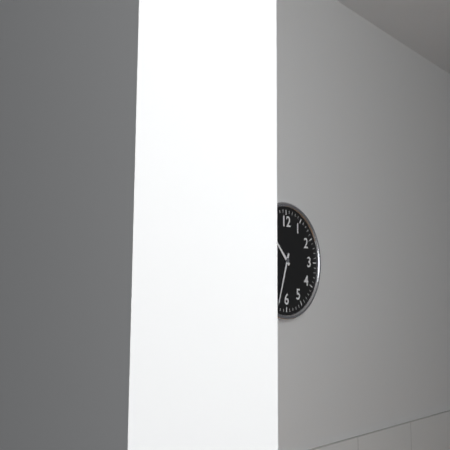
10:33
